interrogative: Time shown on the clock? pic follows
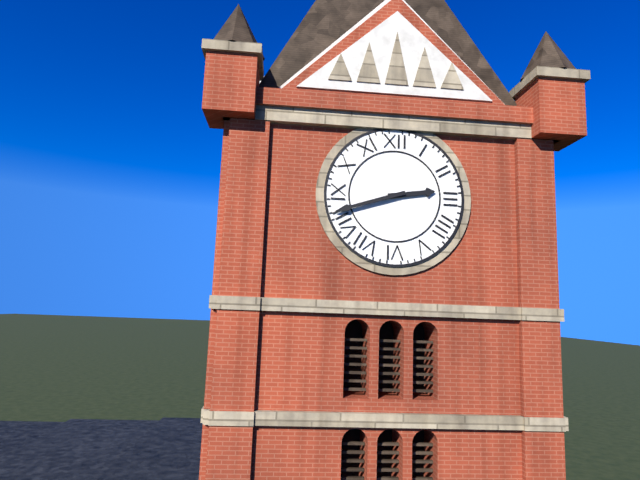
2:42
